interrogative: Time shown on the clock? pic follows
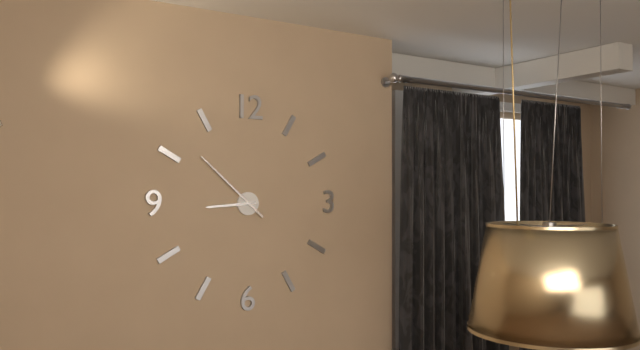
8:52
